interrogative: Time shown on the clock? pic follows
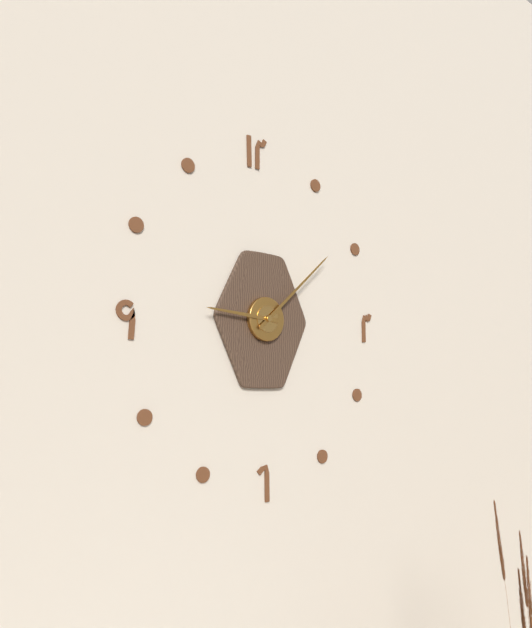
9:08
